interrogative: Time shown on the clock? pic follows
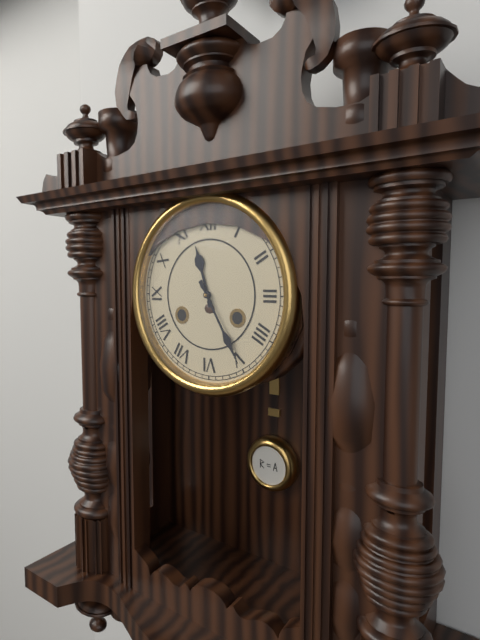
11:25
